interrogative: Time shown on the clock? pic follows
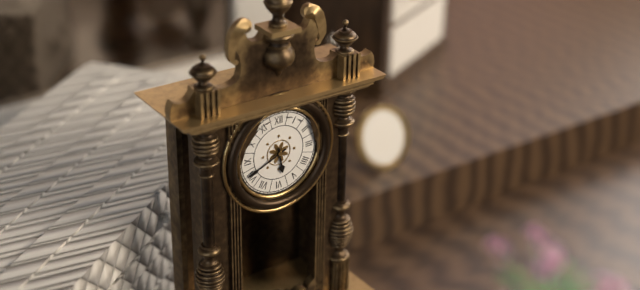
5:41
